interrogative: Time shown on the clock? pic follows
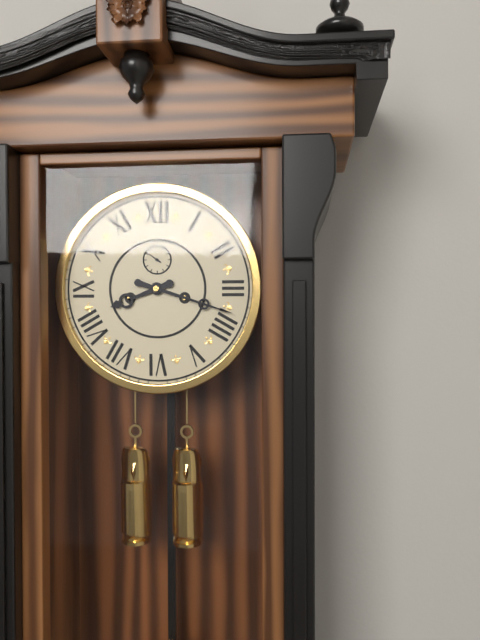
8:18
